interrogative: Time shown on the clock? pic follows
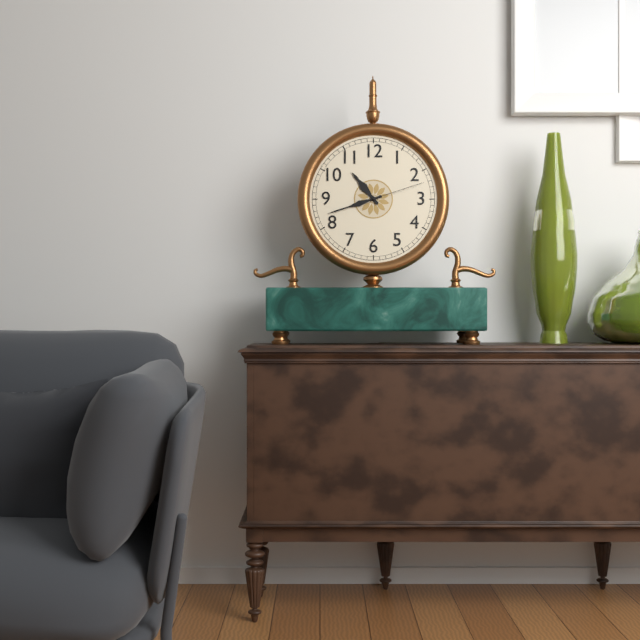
10:42:12
